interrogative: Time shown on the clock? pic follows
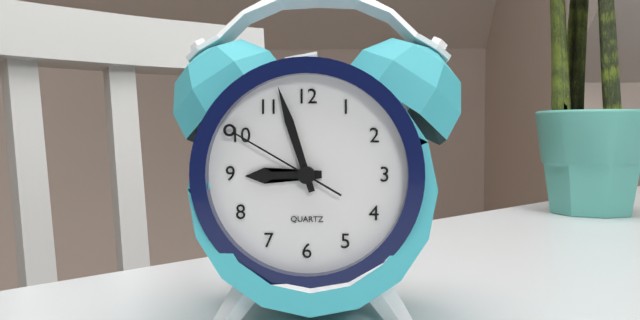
8:57:50
